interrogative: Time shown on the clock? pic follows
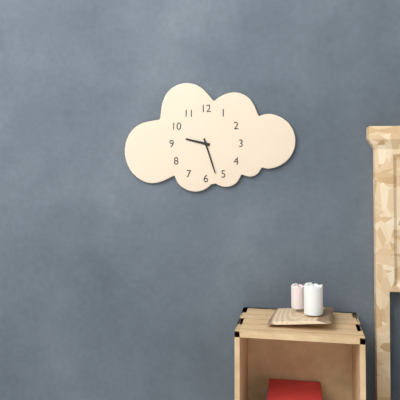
9:27
